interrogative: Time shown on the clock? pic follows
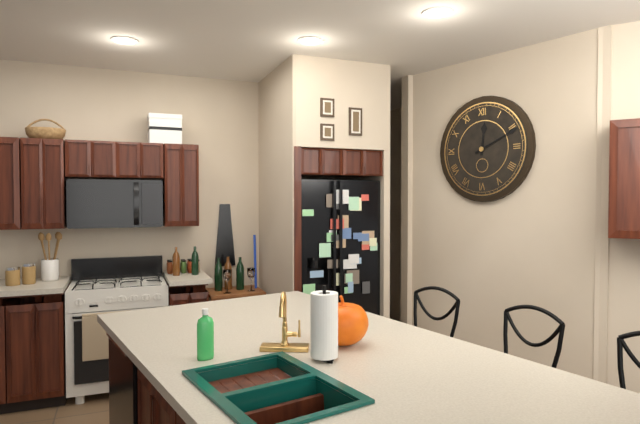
12:11
